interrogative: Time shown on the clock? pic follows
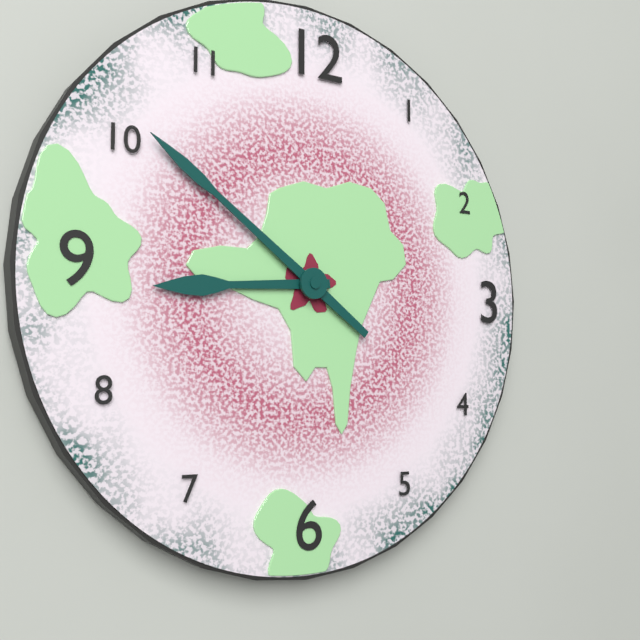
8:51
